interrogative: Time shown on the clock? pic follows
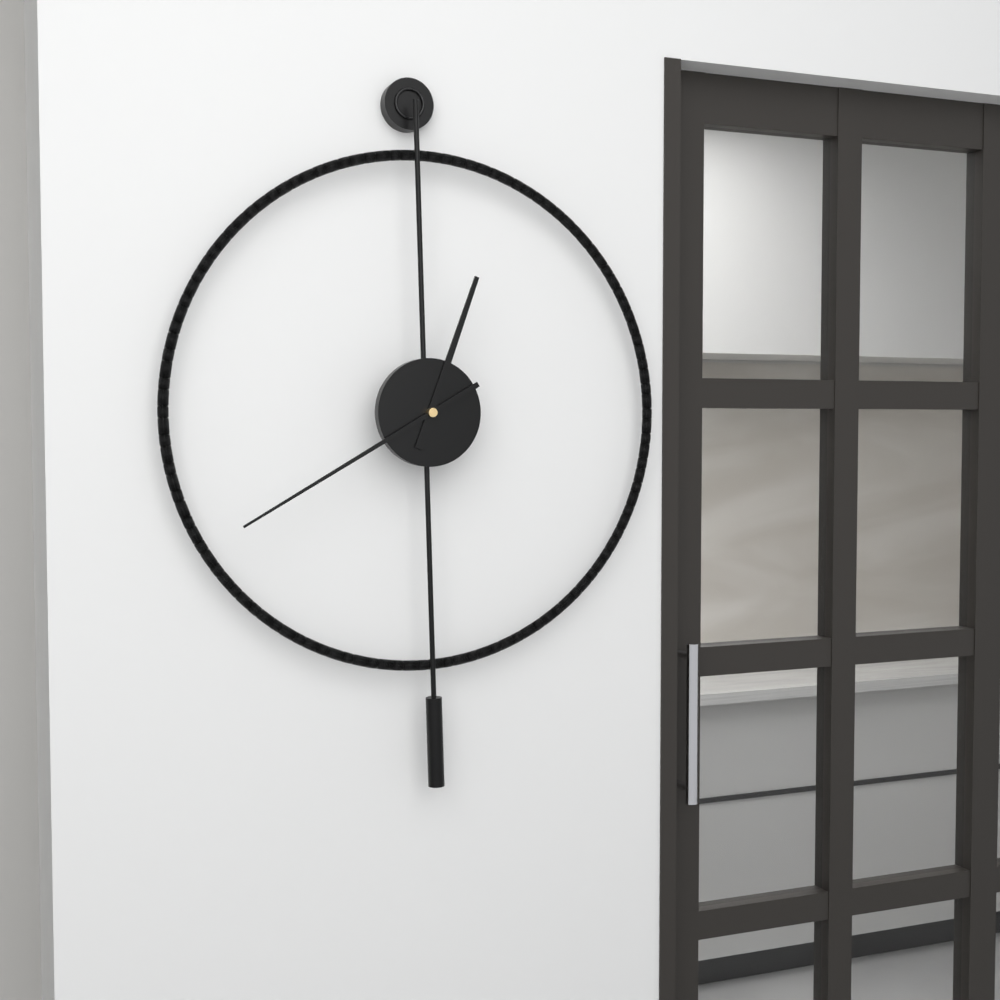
12:40
